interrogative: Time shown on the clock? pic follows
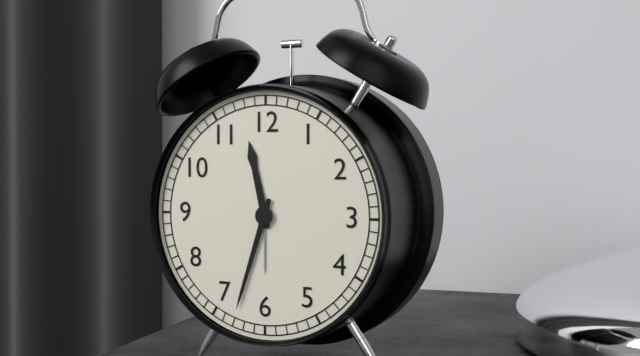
11:33
